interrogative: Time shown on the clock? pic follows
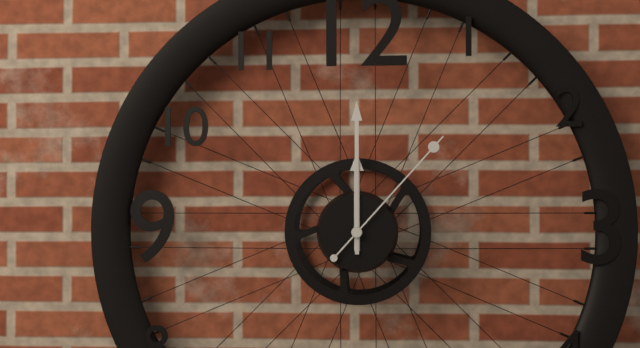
12:00:07
